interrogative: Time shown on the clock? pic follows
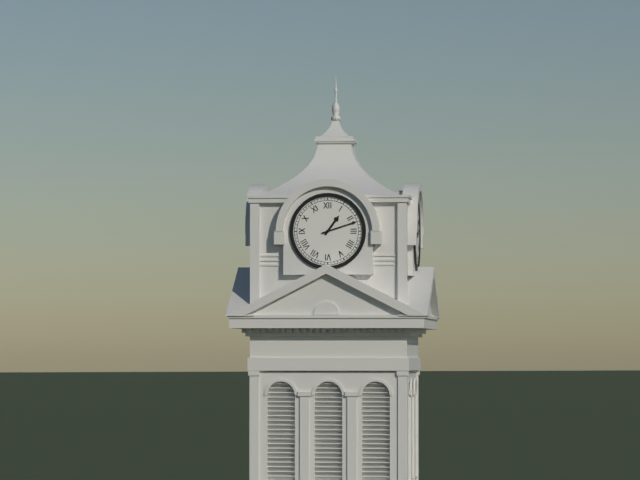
1:12
